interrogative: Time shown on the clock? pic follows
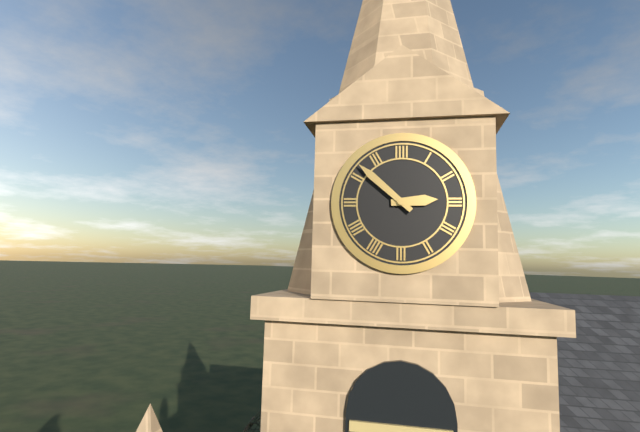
2:52
